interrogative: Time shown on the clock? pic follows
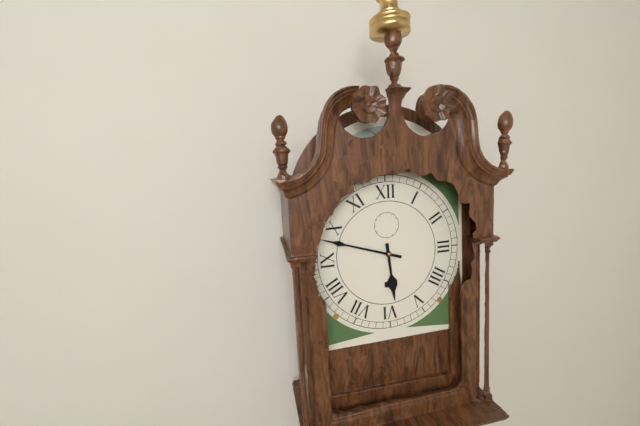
5:48
